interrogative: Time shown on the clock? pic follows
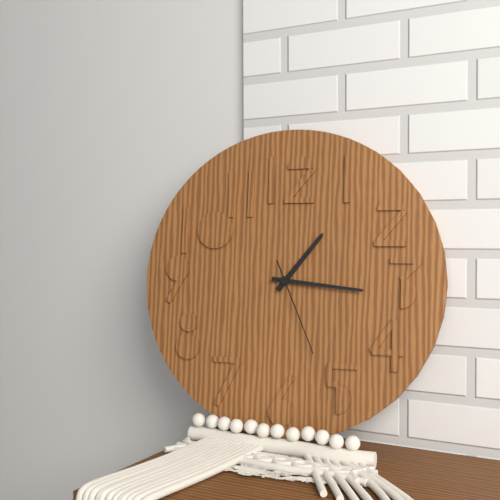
1:16:26
